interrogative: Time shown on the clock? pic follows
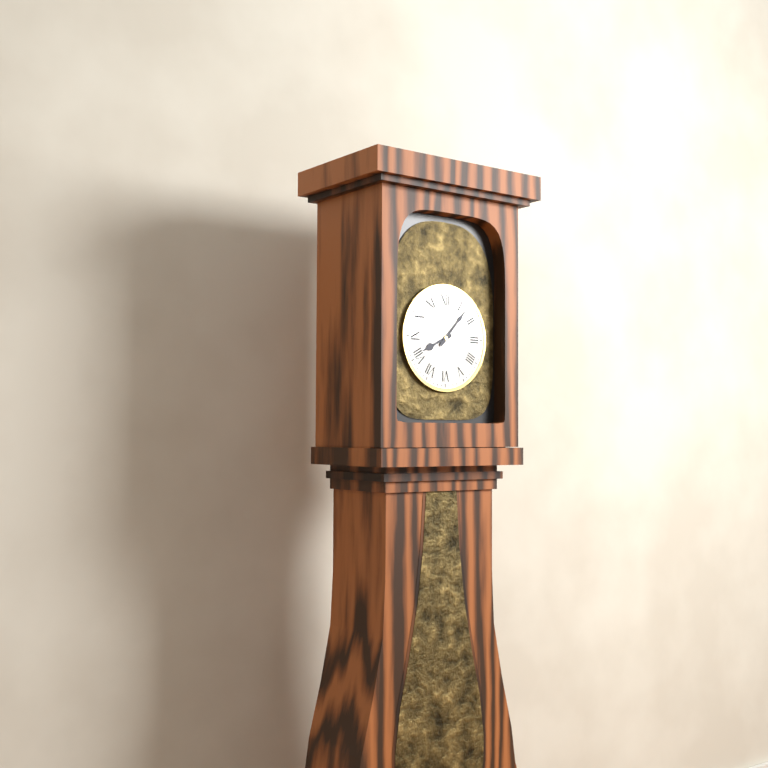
8:07
